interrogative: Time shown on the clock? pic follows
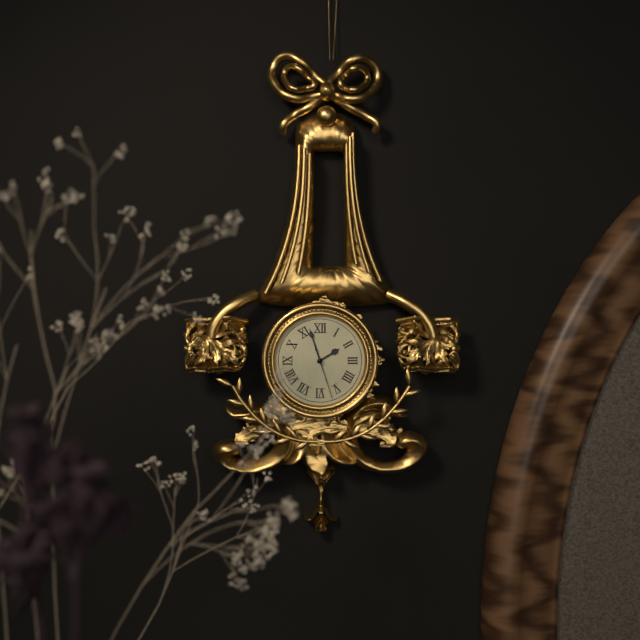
1:57
